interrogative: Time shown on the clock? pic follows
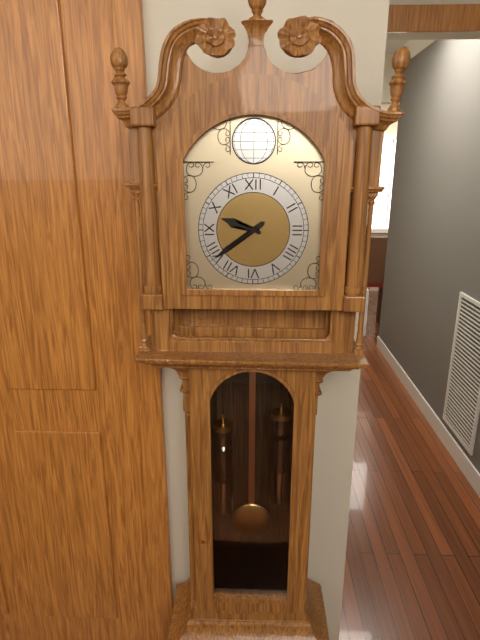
9:39
